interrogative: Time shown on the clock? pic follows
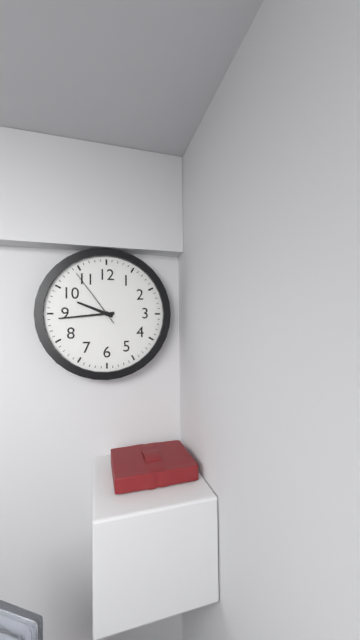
9:44:54
